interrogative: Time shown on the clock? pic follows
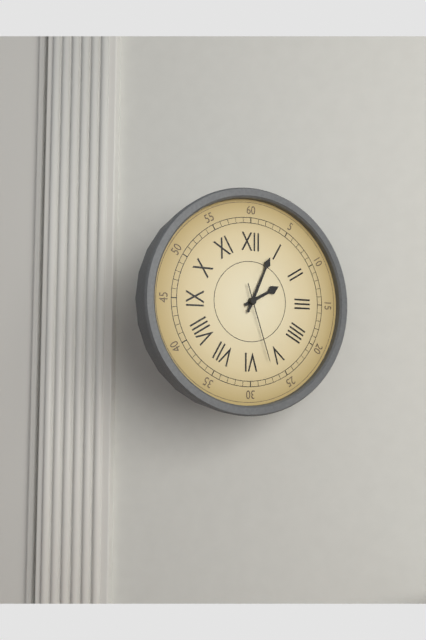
2:04:27
